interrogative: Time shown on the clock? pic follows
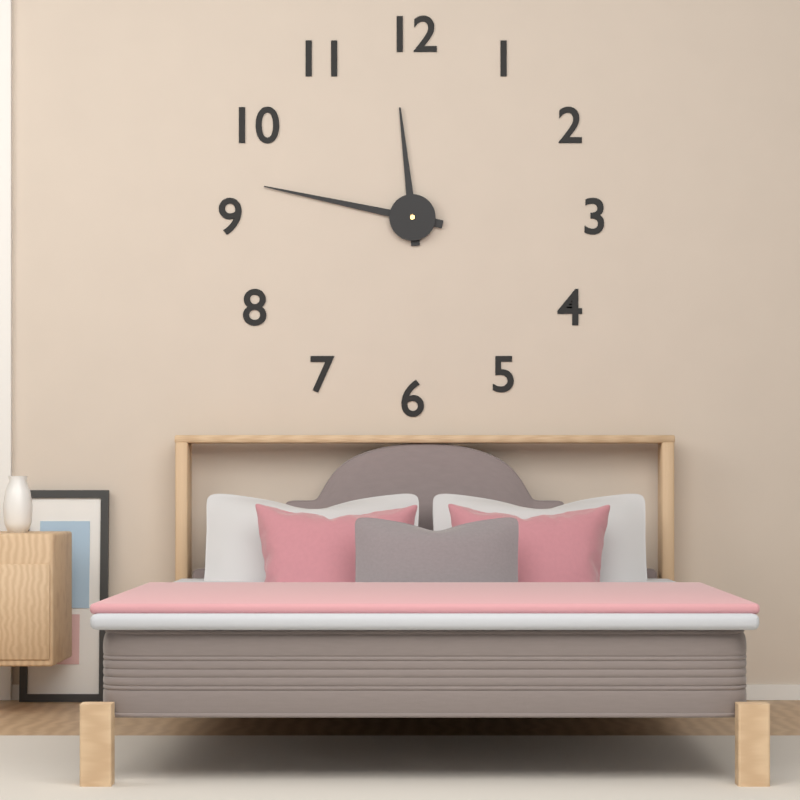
11:47
